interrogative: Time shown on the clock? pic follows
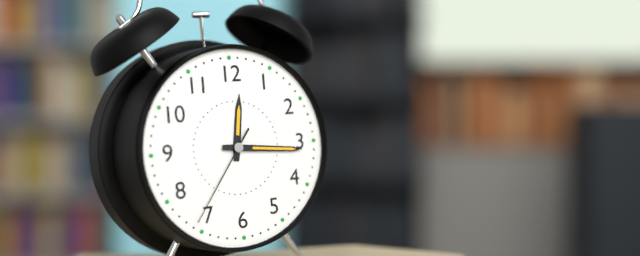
12:16:36
